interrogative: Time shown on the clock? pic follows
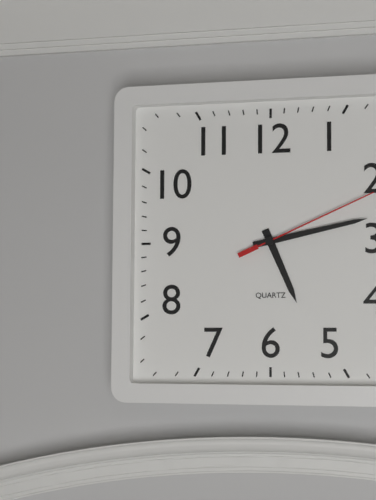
5:13:11
